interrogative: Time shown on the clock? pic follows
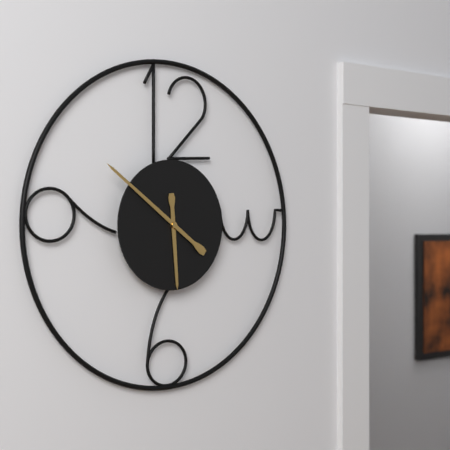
5:51
